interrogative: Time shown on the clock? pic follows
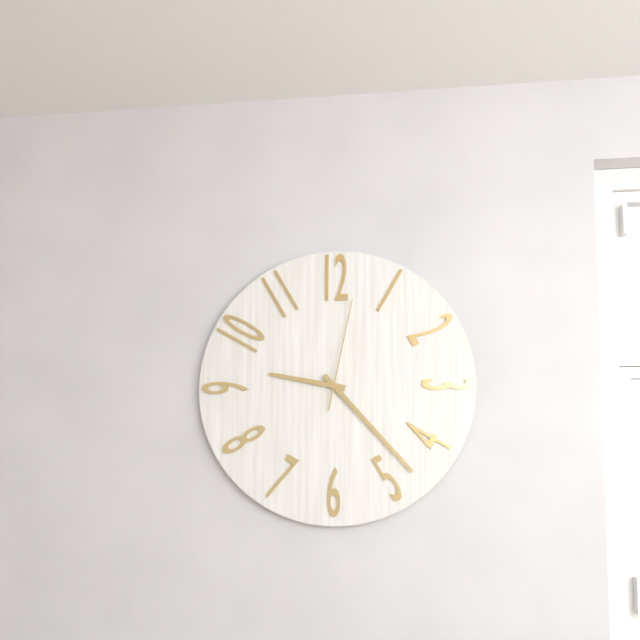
9:23:02
